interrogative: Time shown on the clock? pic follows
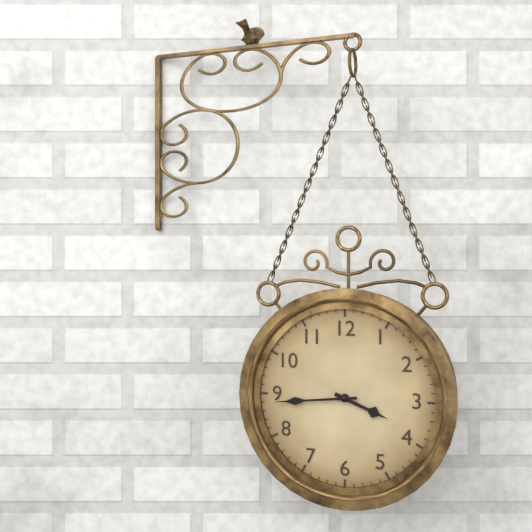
3:44
